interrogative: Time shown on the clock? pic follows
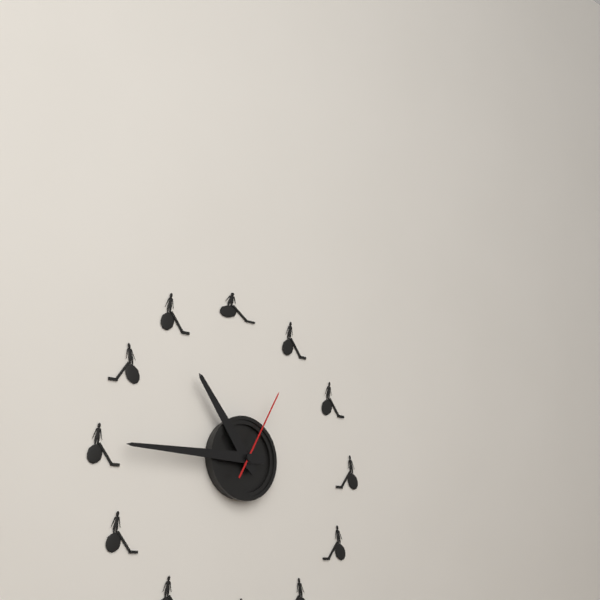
10:45:05
